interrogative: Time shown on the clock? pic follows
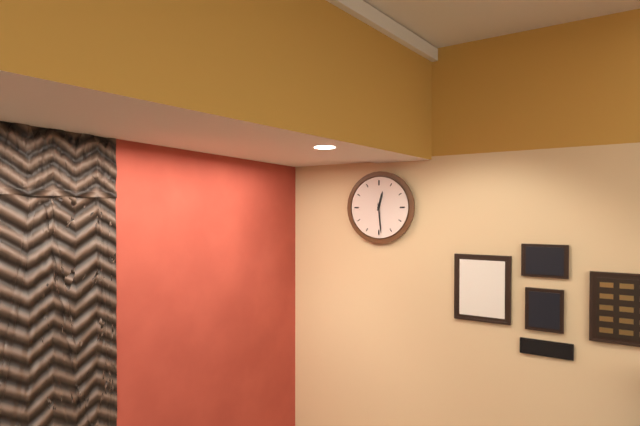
12:29
